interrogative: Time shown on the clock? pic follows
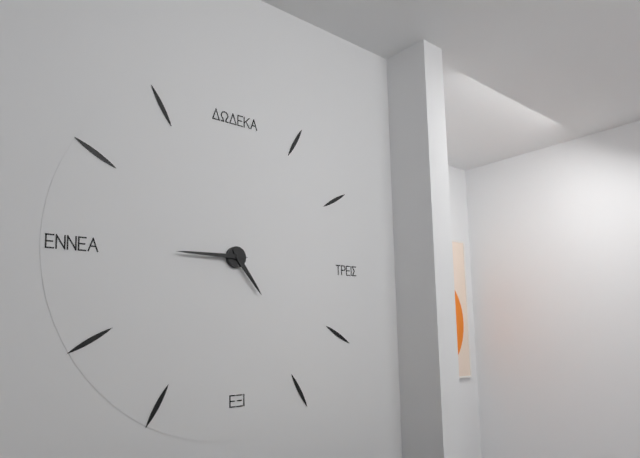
4:45
